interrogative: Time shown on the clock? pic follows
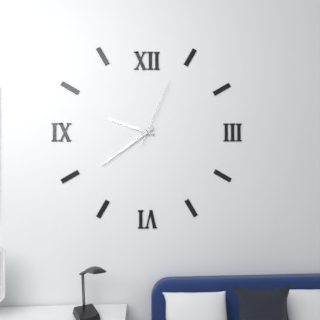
9:39:04
